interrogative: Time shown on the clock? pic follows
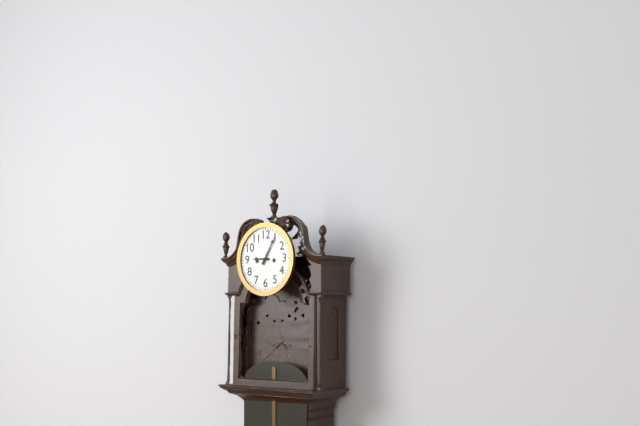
9:05
